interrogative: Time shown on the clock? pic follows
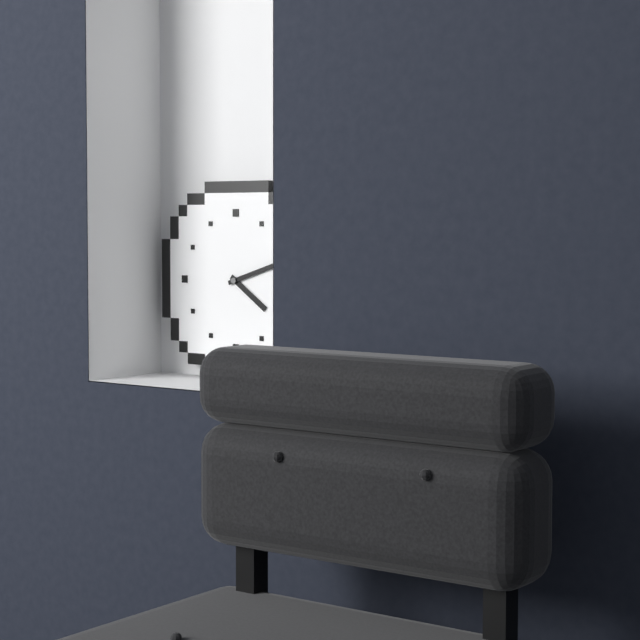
4:12
